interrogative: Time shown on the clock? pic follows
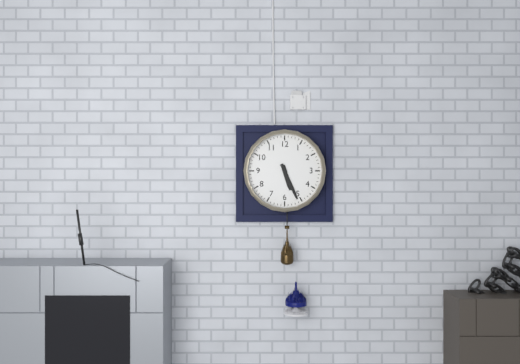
5:26
